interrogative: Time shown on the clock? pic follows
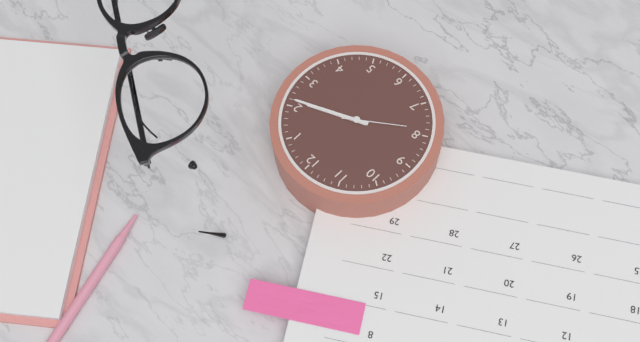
2:11:39
